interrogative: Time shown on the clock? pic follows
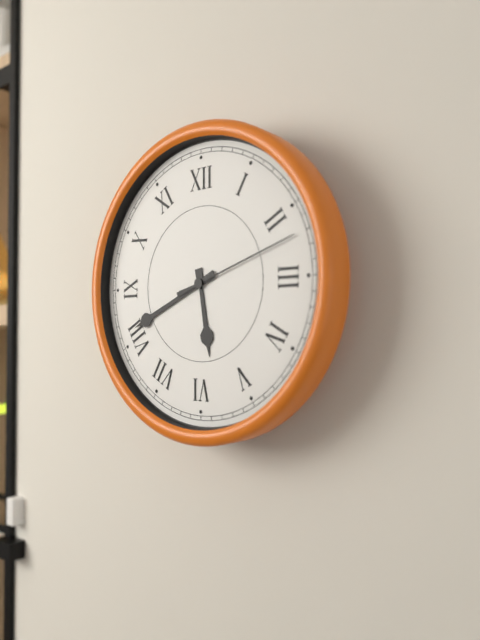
5:41:12
